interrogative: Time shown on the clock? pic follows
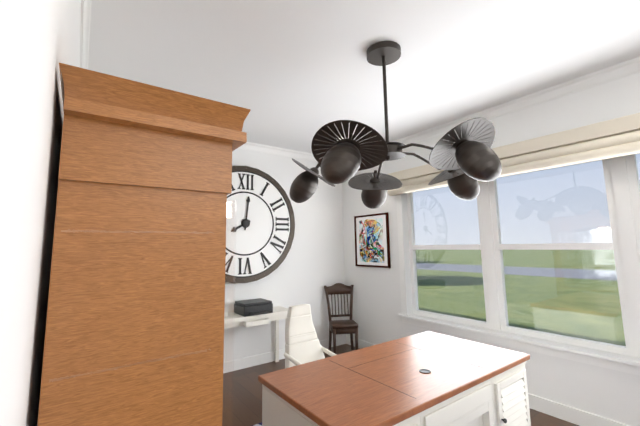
8:01
